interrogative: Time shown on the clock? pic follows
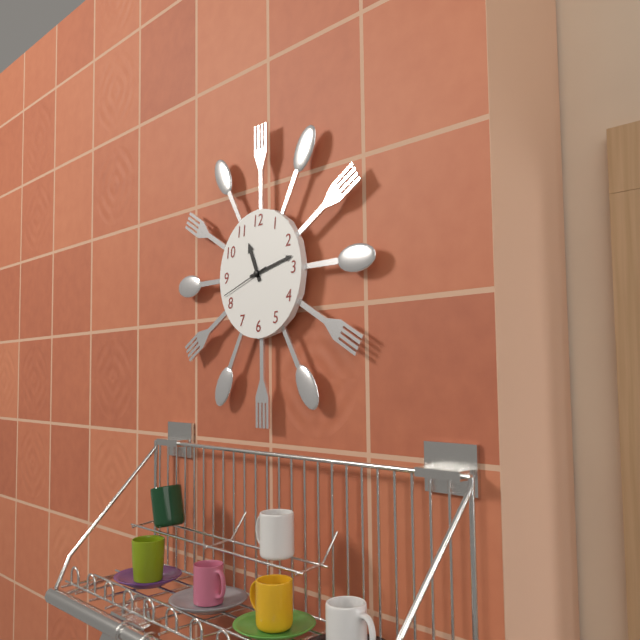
11:13
